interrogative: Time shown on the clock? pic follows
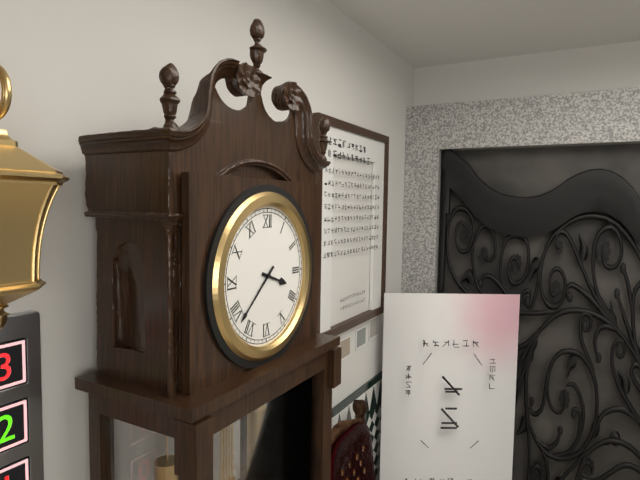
3:38
